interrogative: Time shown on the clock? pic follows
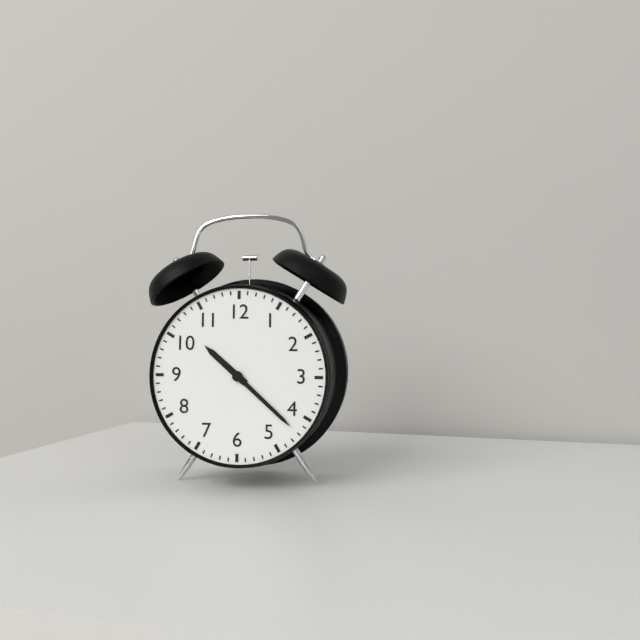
10:22
